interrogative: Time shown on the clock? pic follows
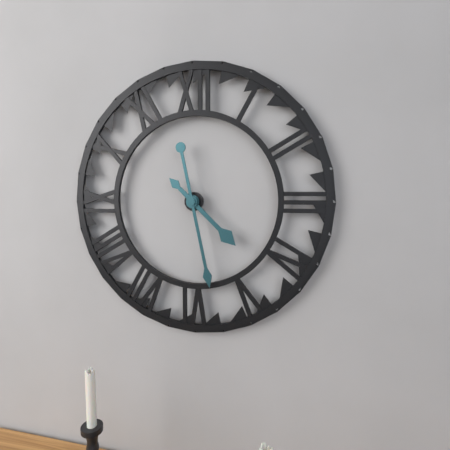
4:28
